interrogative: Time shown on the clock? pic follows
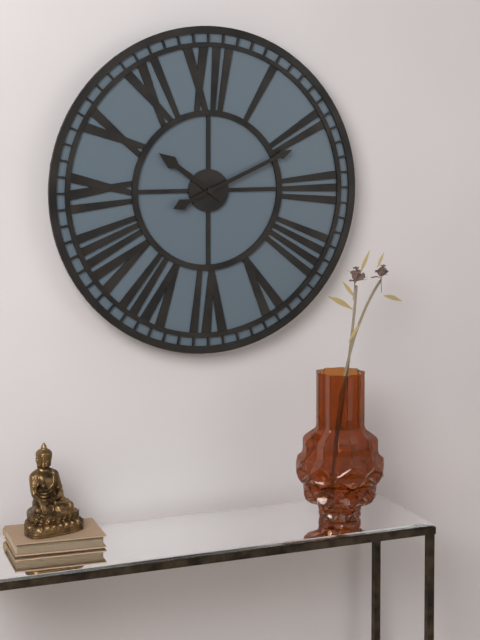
10:11
